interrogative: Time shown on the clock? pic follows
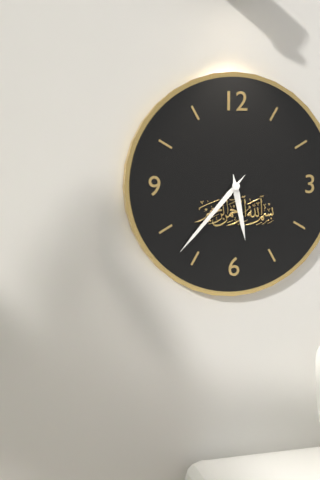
5:37
